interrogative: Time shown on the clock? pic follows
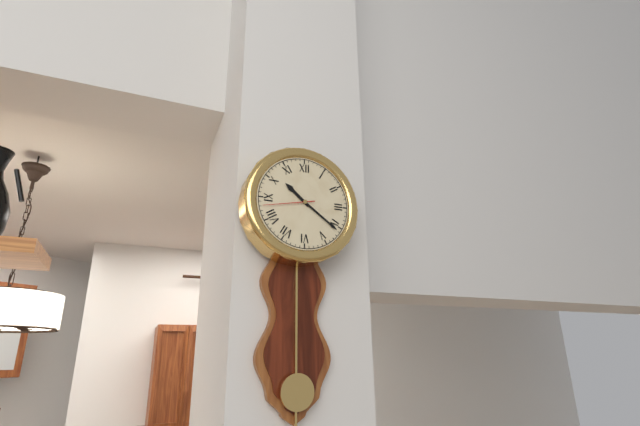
10:21:43
